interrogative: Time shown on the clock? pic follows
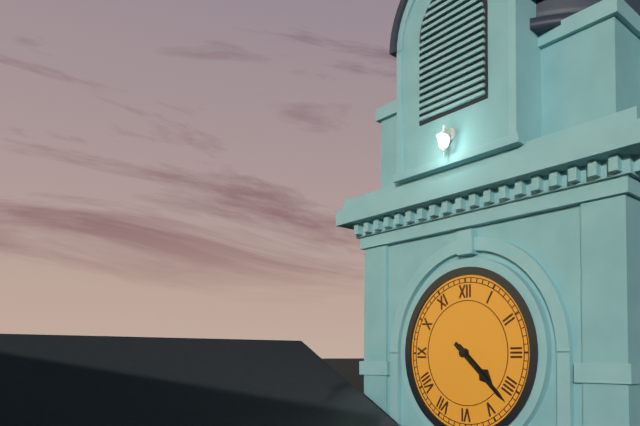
4:22
